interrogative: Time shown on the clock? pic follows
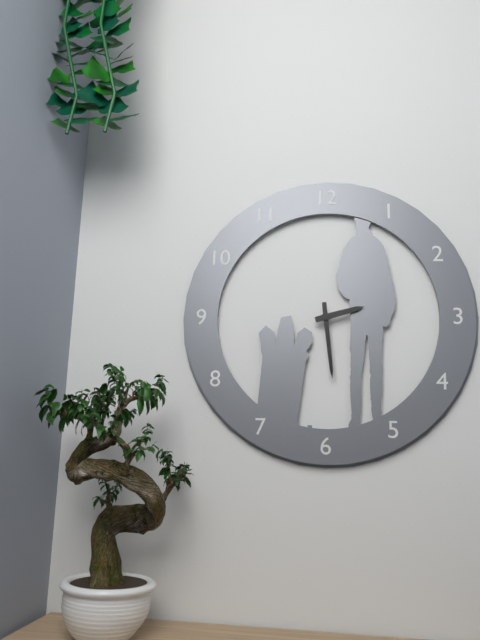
2:29
